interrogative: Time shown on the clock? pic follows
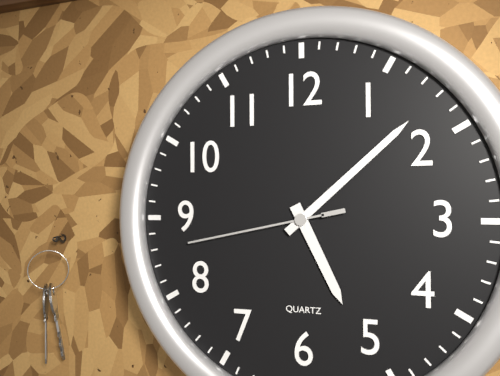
5:08:43
